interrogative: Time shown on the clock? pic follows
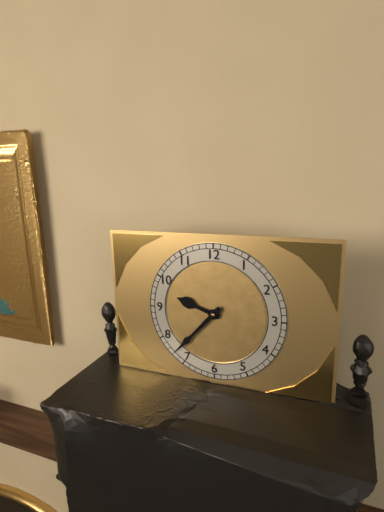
9:37
